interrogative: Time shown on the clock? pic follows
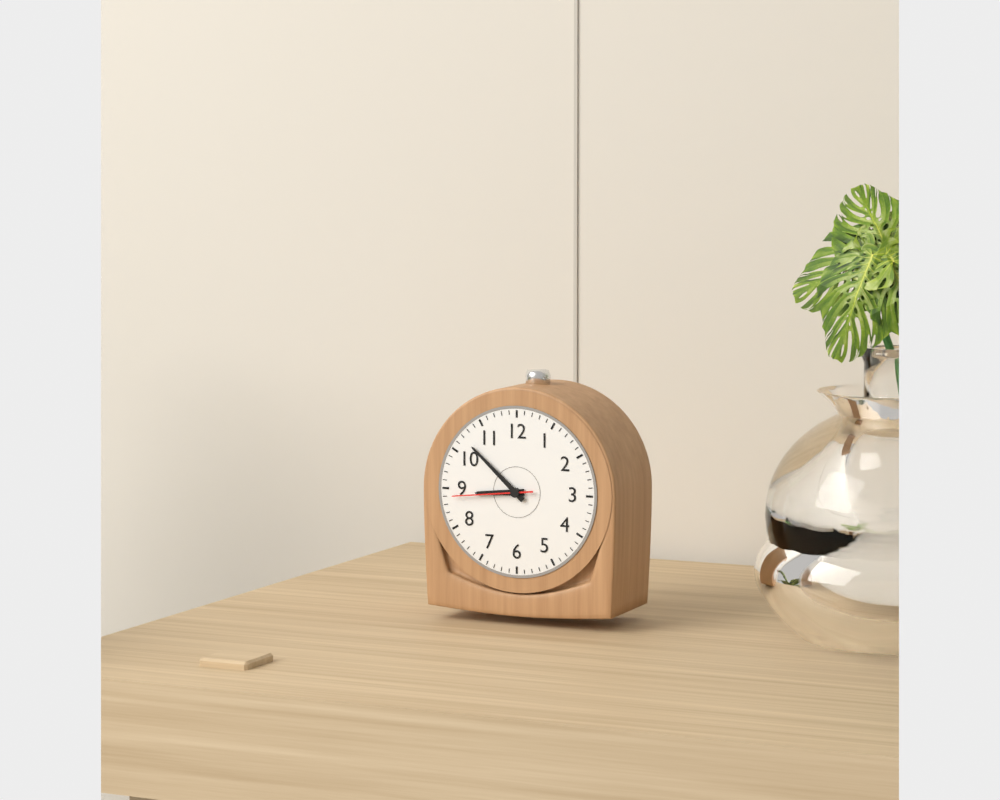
8:52:44
